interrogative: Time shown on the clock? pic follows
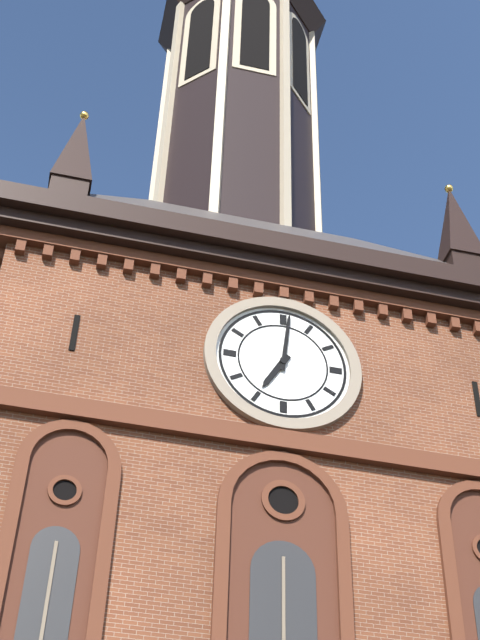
7:01
